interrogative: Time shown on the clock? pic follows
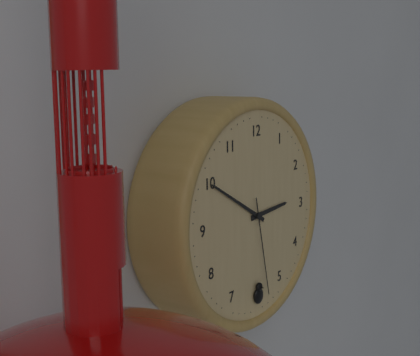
2:50:28
